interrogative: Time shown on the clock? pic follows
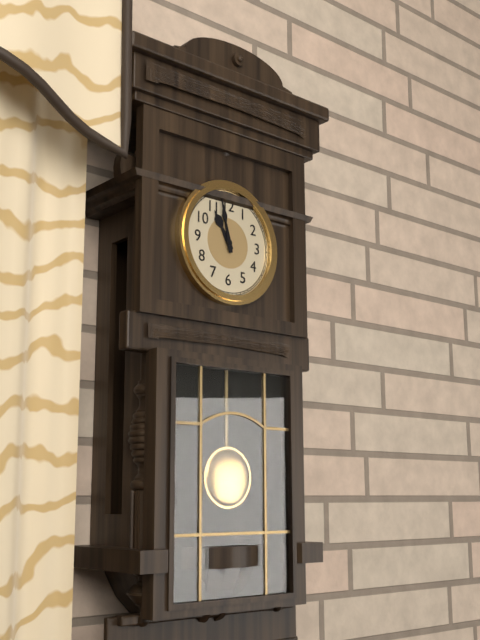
10:58
